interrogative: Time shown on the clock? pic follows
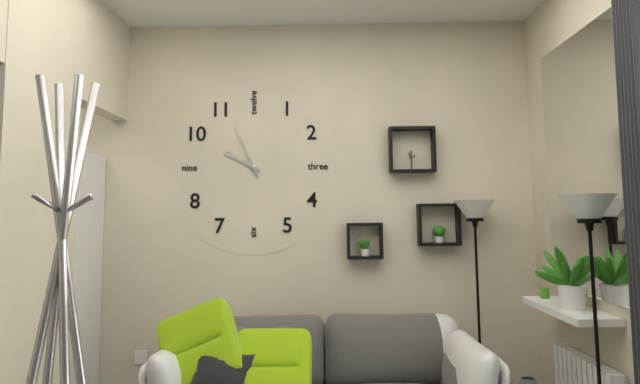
9:56
